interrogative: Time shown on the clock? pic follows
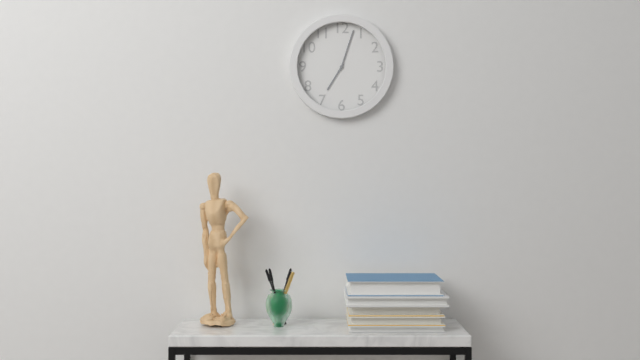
7:03
